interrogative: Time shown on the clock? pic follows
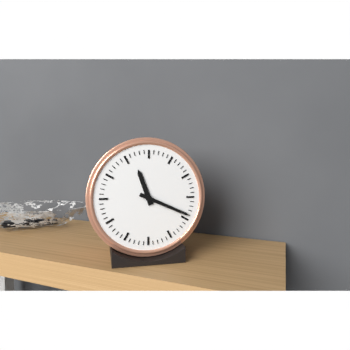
11:19
